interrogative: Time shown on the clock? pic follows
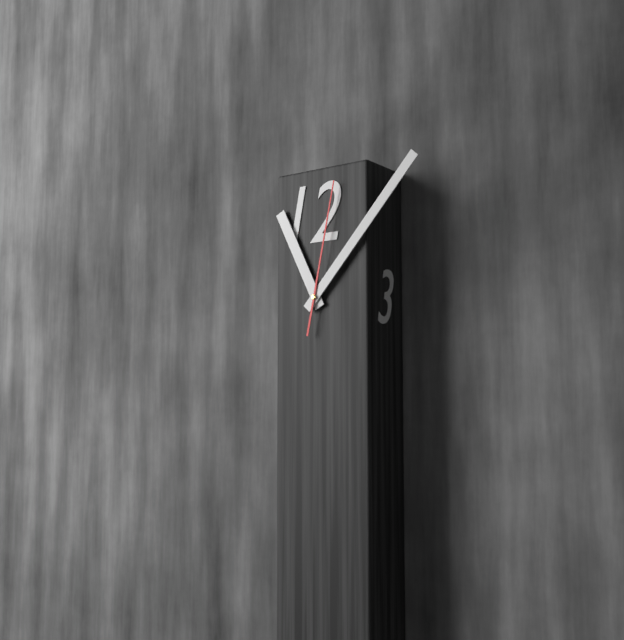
11:07:02
